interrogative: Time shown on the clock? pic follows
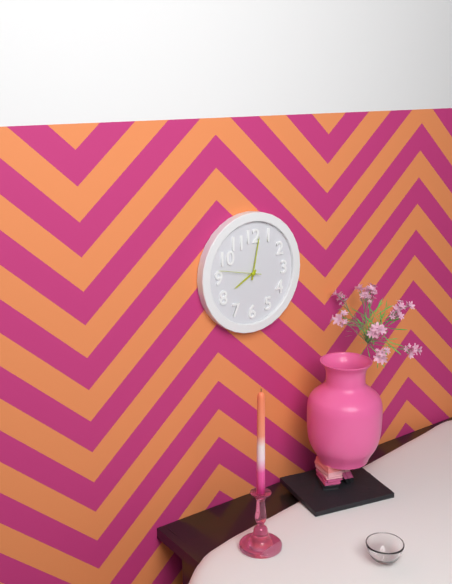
8:02
